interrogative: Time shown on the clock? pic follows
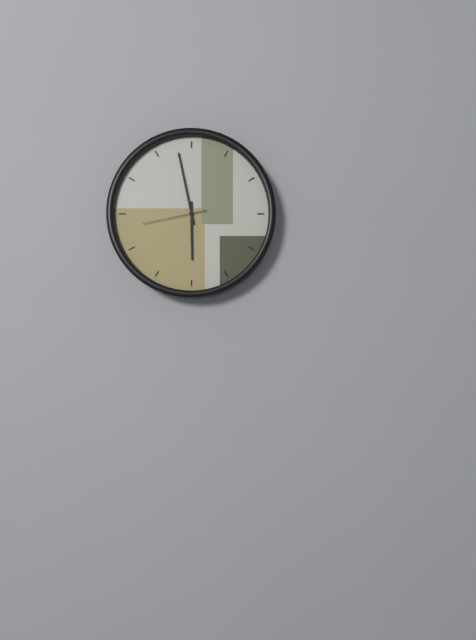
5:58:43
